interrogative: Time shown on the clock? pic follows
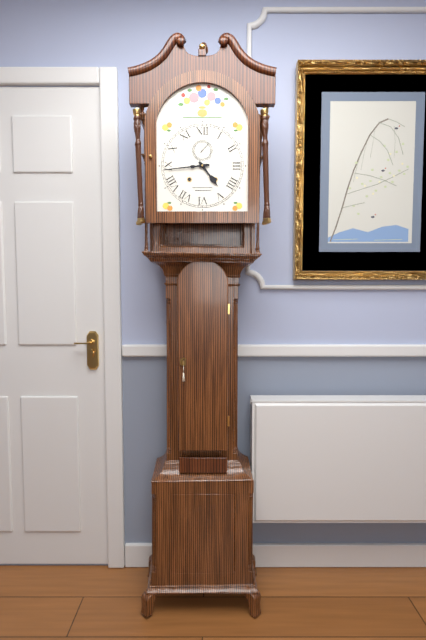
4:44
